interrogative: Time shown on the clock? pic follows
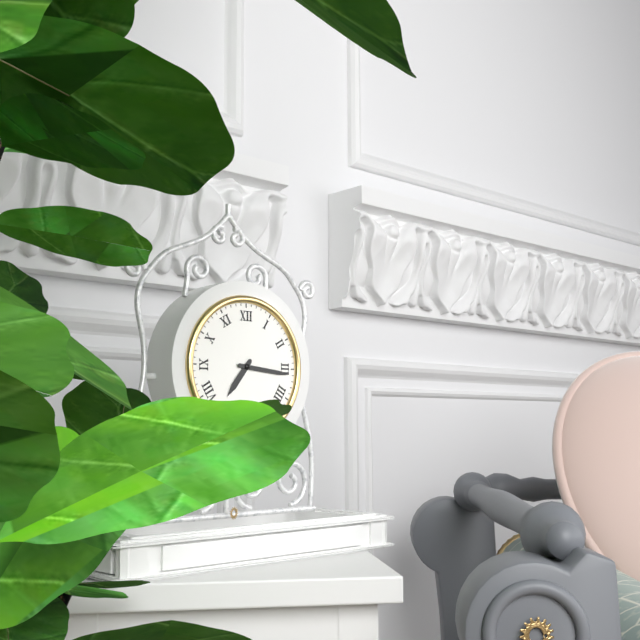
7:16
